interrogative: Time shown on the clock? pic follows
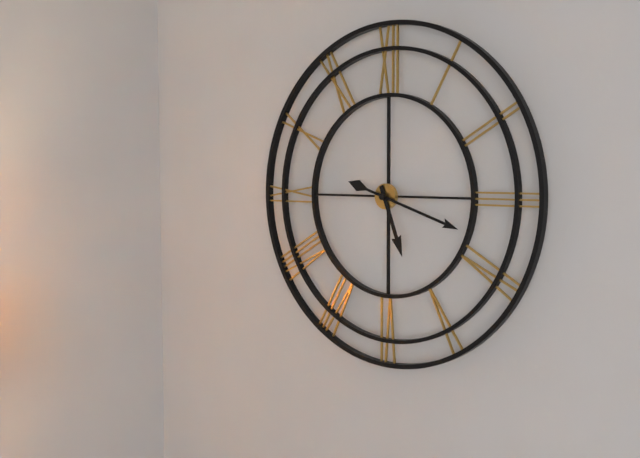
5:18
